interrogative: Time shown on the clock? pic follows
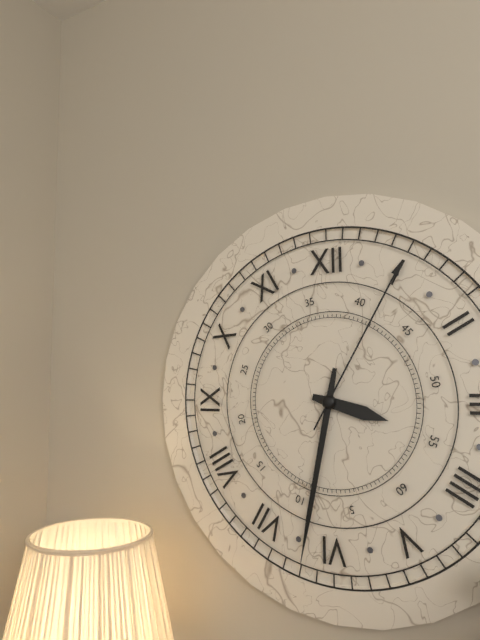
3:32:05
